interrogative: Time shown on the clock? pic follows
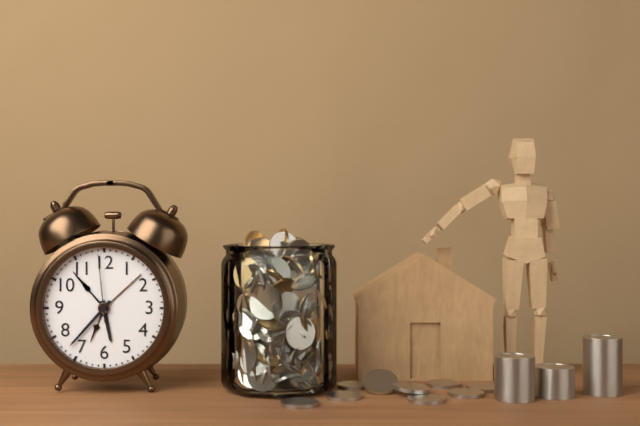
5:37:59
